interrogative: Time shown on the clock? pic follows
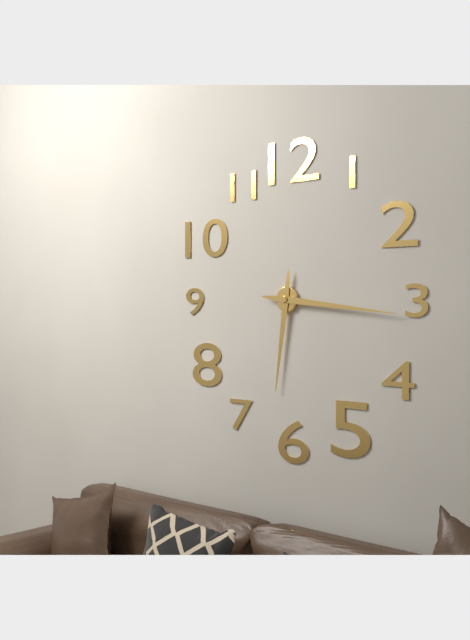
6:16
